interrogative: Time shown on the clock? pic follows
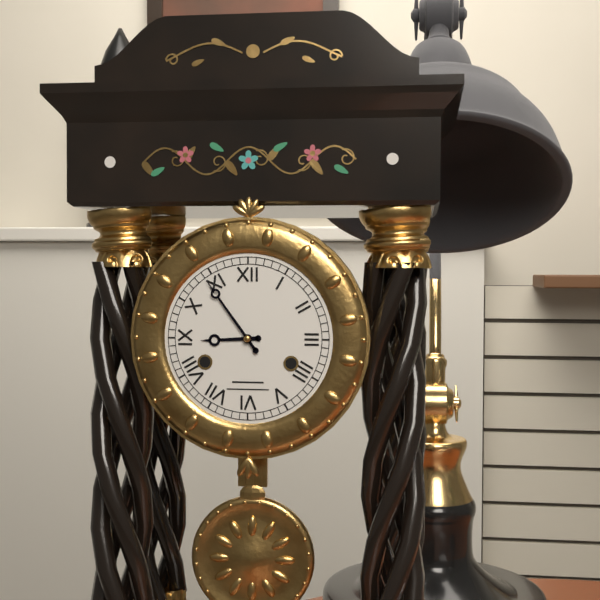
8:54
